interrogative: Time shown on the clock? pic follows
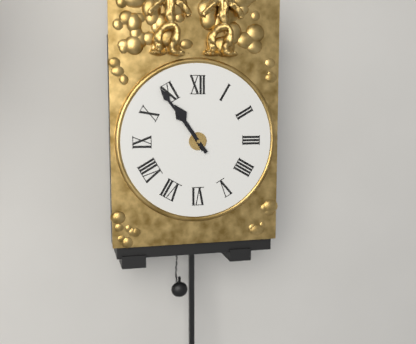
10:54
